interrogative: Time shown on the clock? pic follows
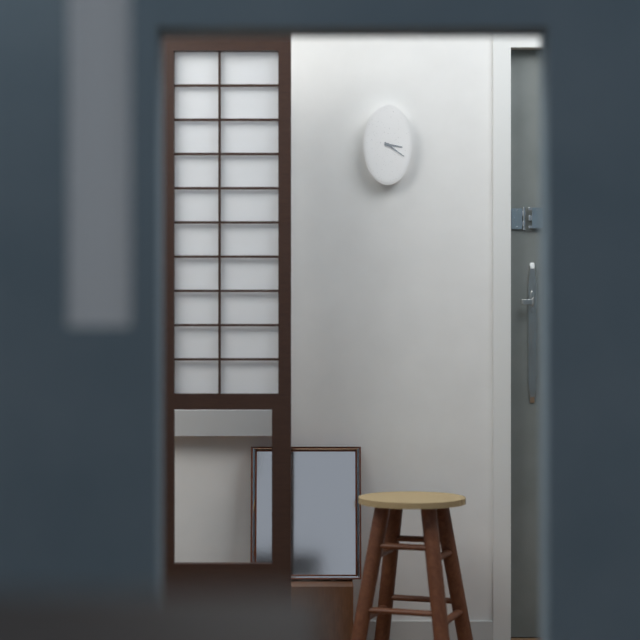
3:21
